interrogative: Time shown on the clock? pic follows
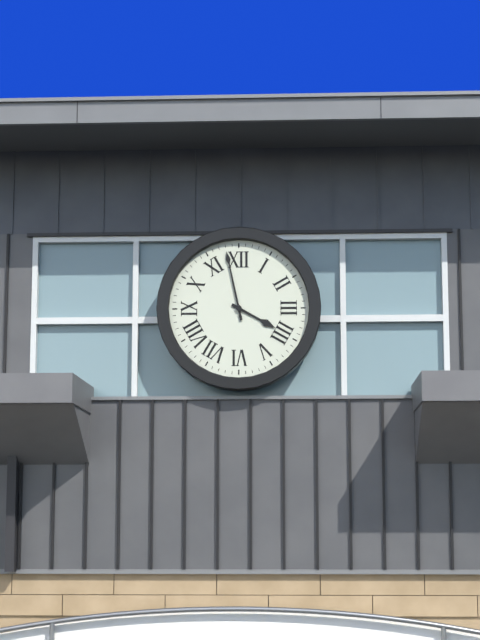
3:58
